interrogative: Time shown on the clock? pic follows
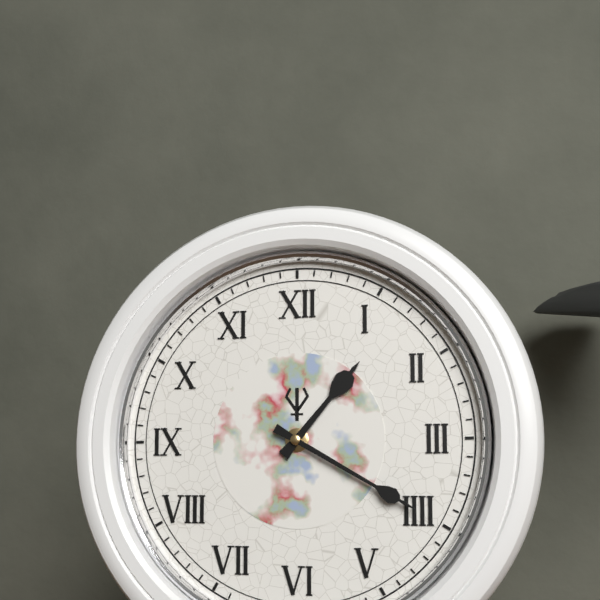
1:20
